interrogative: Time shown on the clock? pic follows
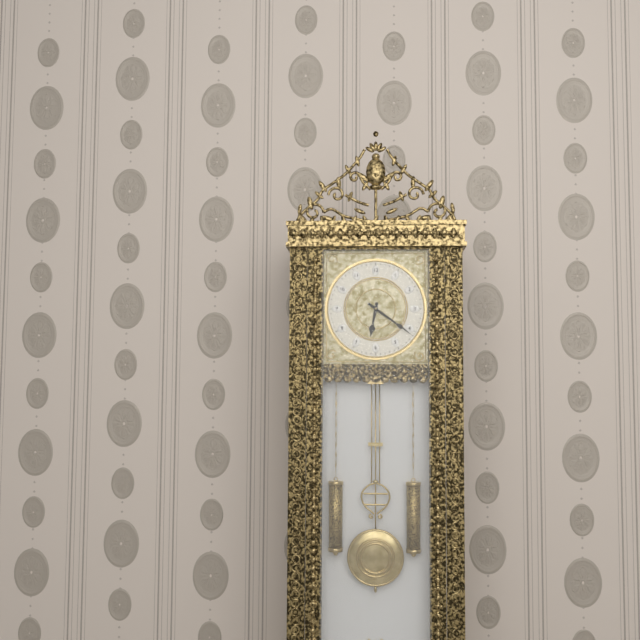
6:21
